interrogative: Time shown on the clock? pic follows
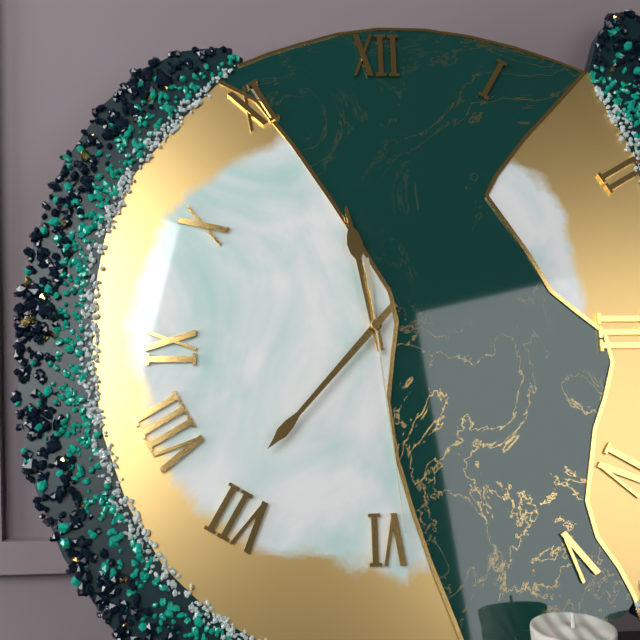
11:37:29
